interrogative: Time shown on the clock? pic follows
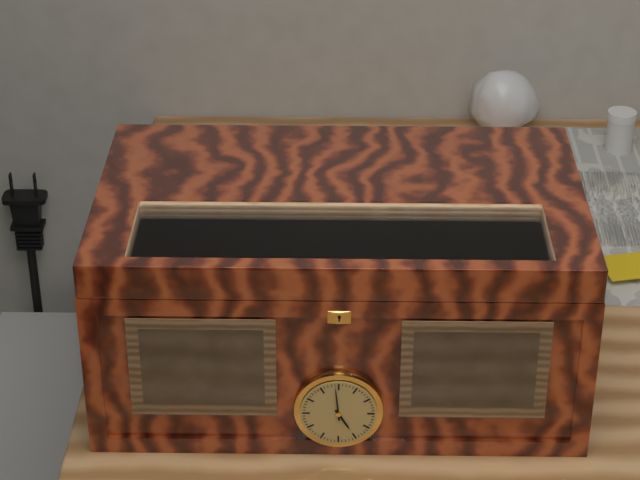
4:59
